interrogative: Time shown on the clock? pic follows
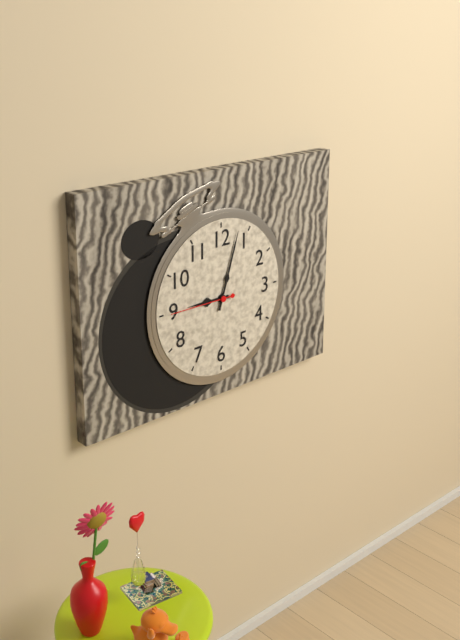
9:03:45
